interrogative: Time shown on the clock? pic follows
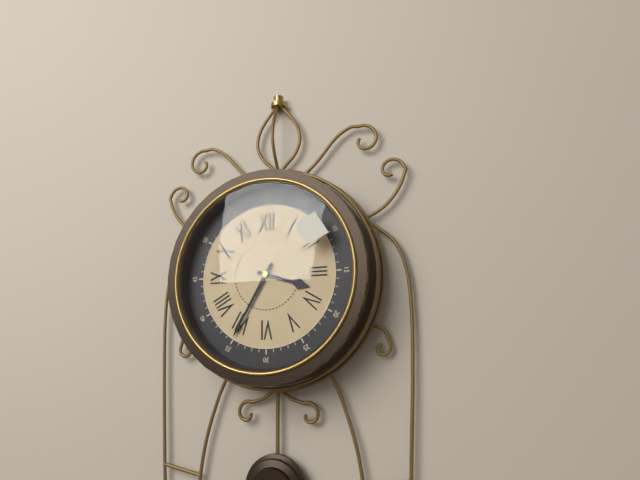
3:35
